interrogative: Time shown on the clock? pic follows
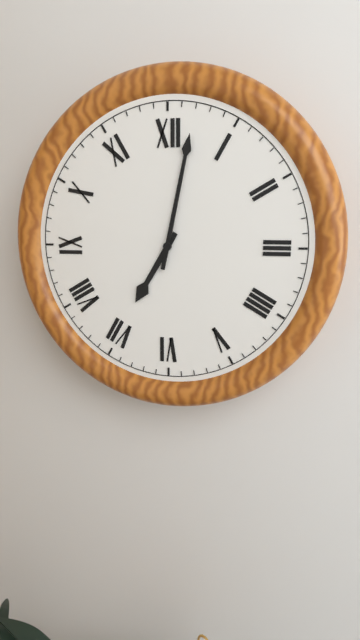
7:02
